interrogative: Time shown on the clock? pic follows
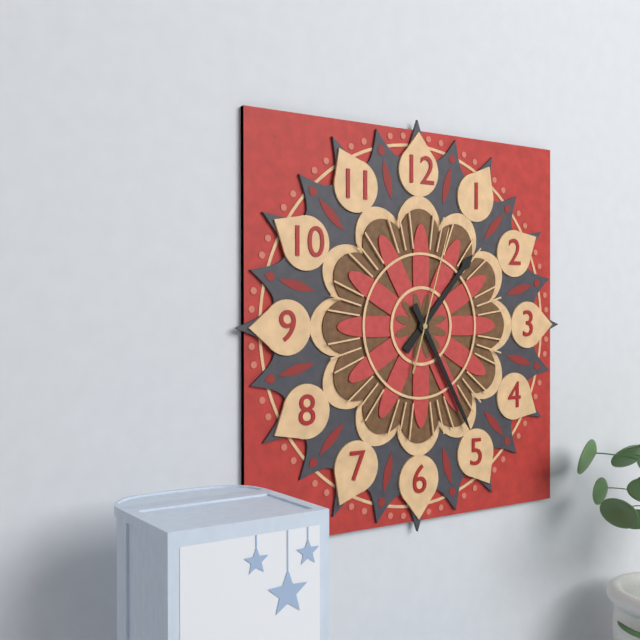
1:25:03
